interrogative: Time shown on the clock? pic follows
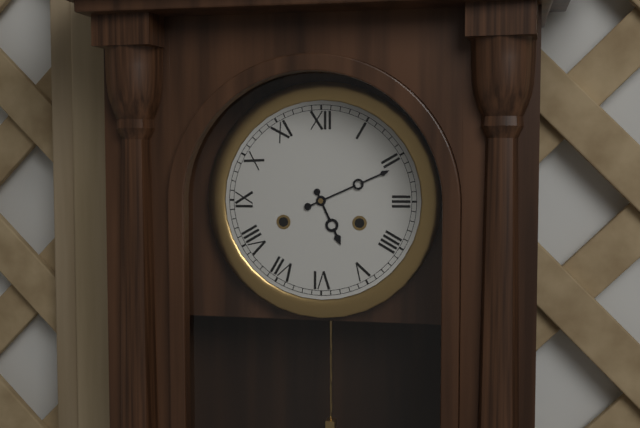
5:11
